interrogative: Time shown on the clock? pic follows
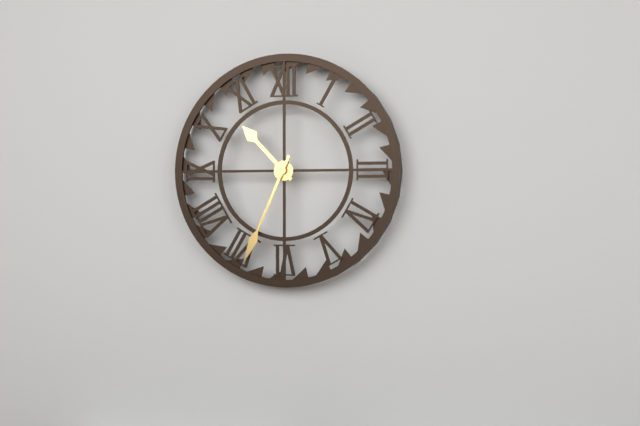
10:34
